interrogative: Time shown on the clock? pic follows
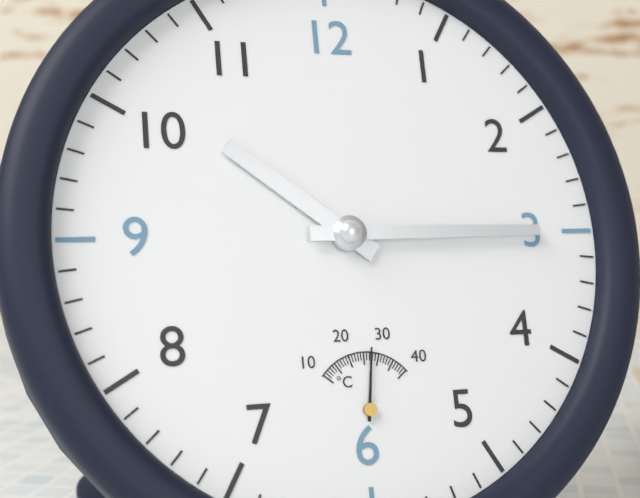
10:15
